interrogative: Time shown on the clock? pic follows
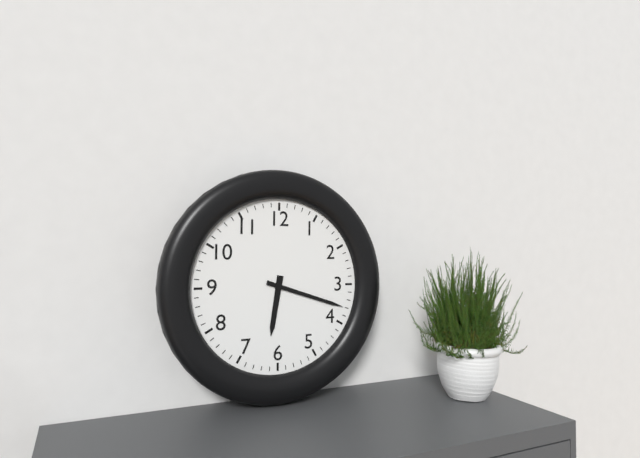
6:18
